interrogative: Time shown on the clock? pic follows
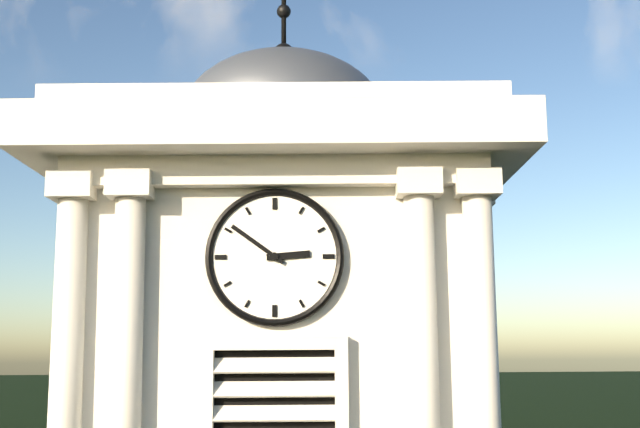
2:51
